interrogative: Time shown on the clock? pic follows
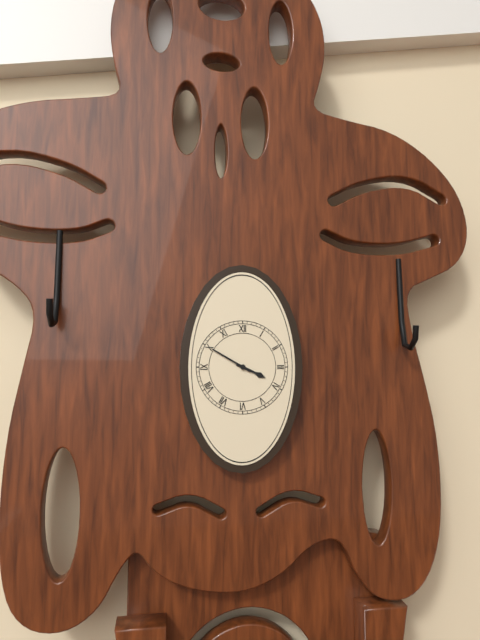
3:50
